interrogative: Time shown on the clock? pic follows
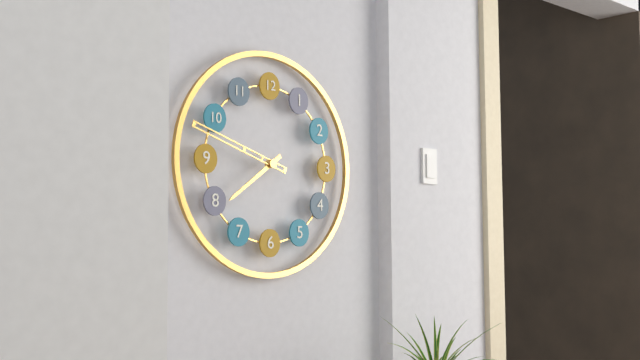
7:48
